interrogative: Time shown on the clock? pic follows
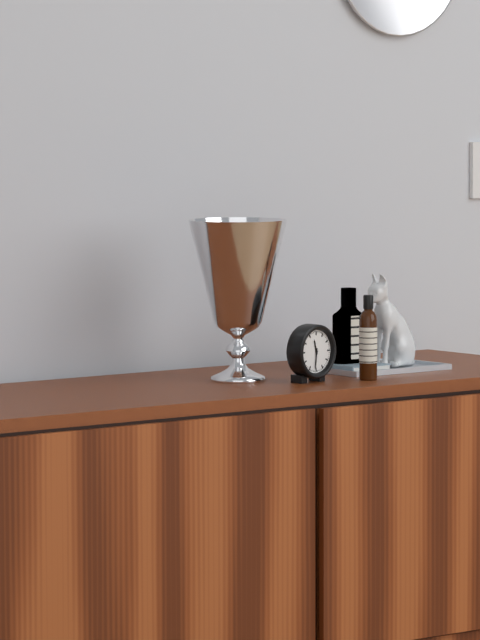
11:31
